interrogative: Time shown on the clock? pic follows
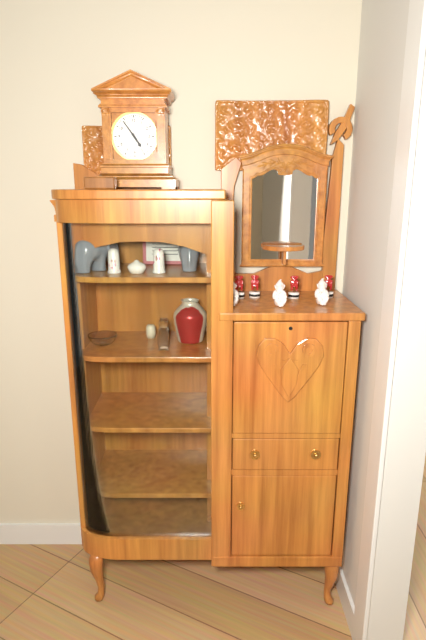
4:54
